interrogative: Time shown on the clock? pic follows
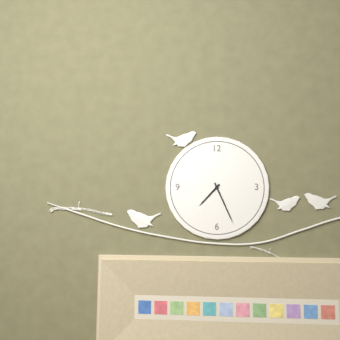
7:26
